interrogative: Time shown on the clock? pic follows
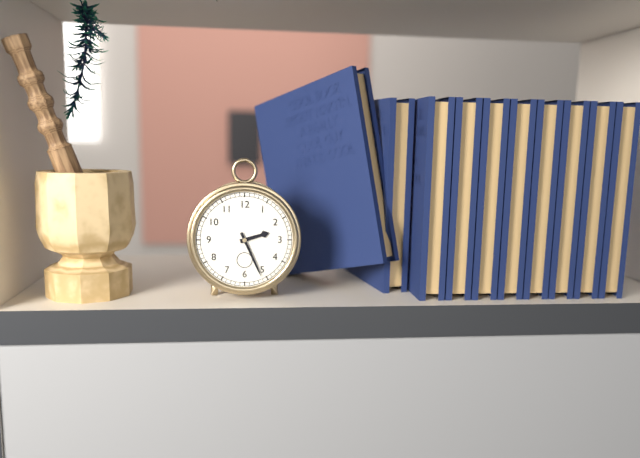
2:26
